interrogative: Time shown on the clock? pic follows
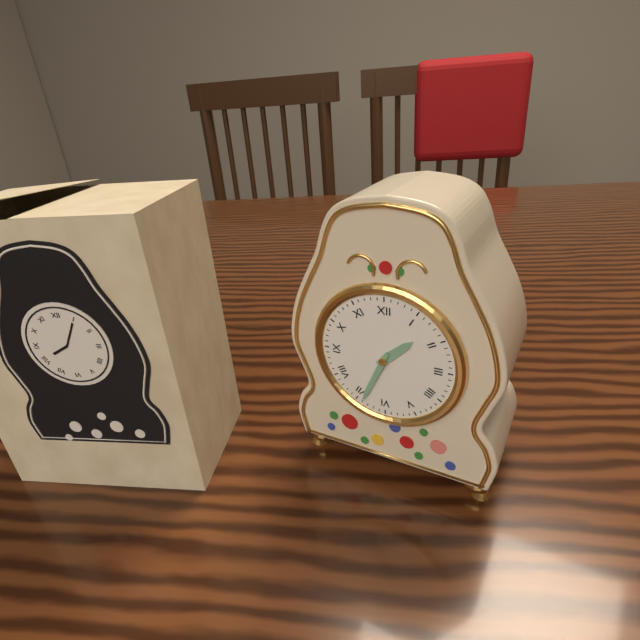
1:34
